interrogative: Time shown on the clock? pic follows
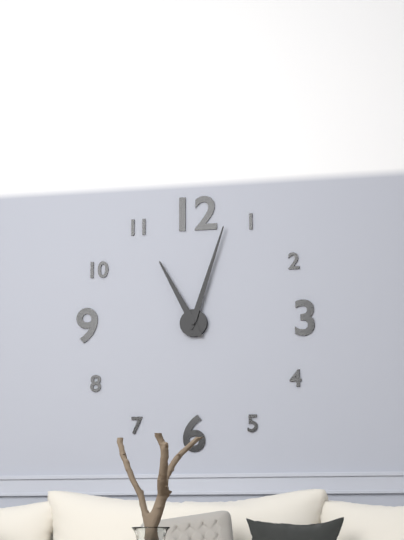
11:03
